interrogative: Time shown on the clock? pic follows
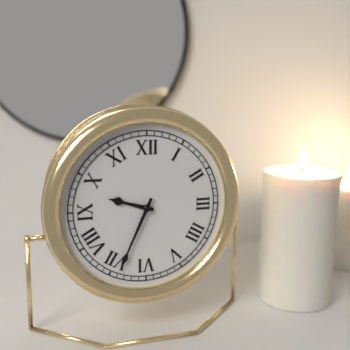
9:34
